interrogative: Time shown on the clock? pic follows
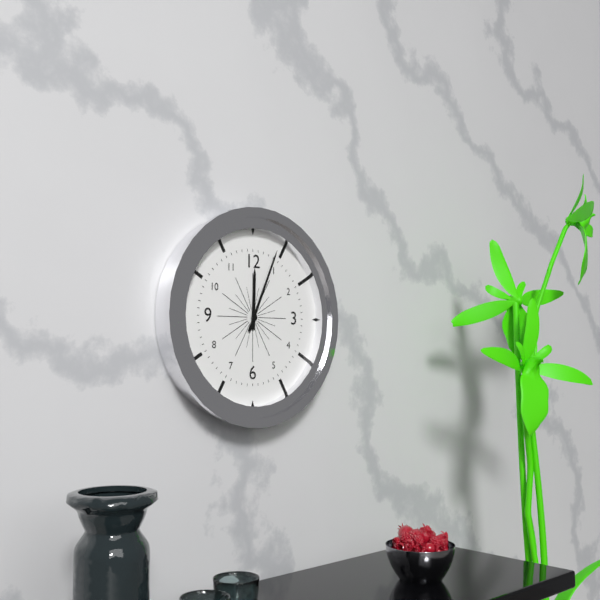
12:04
